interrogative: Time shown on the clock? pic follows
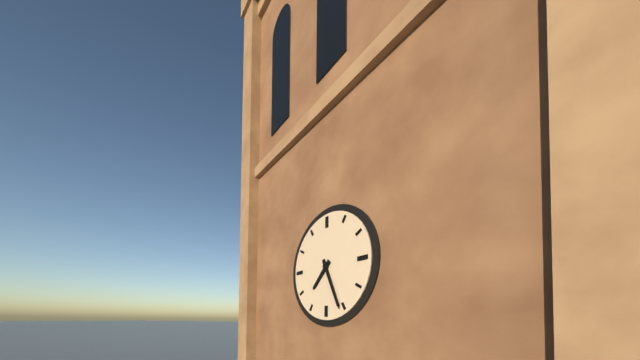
7:26
